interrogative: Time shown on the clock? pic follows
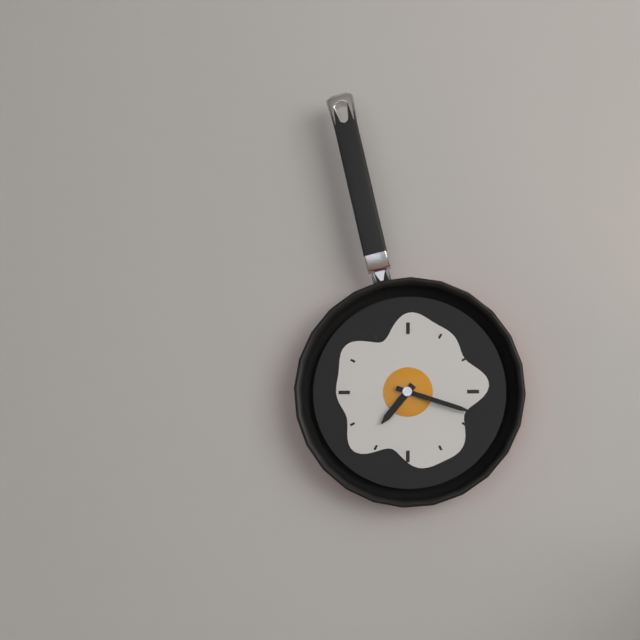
7:18
